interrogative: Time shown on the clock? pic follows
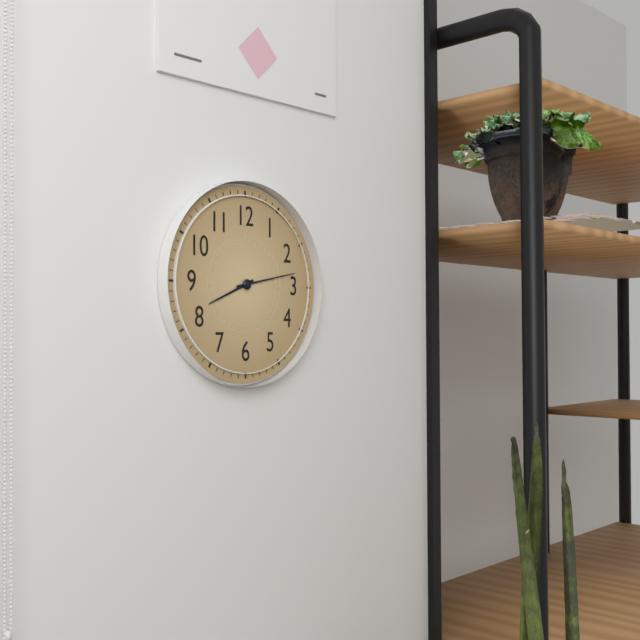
8:13
